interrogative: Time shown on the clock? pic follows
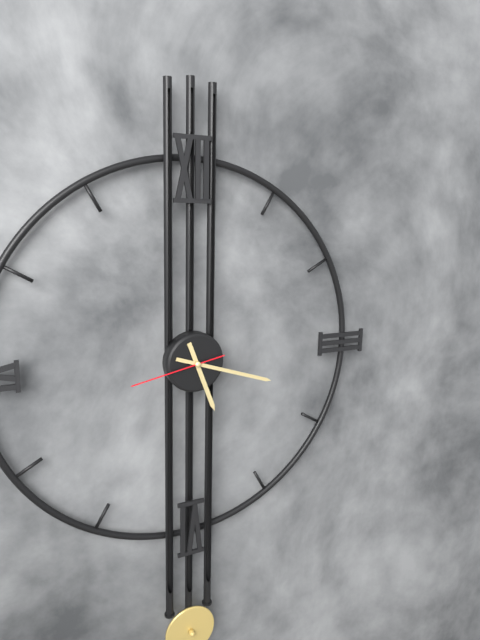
5:18:43
